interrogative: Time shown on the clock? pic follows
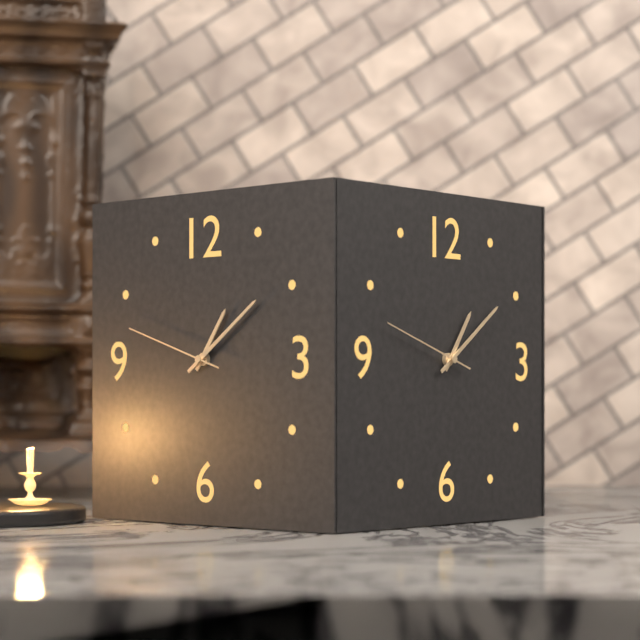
1:09:48
